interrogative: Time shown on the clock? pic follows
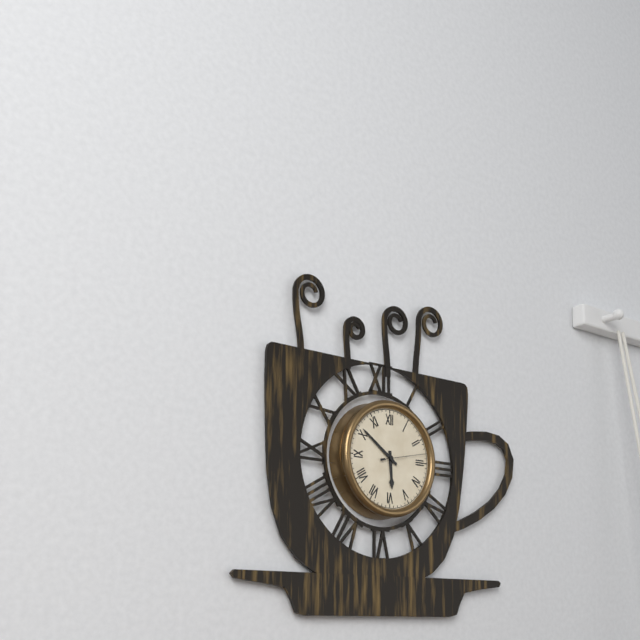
5:51
